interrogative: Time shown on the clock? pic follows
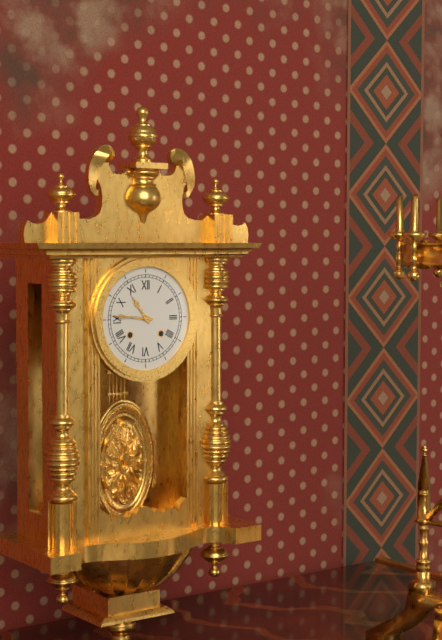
10:46
